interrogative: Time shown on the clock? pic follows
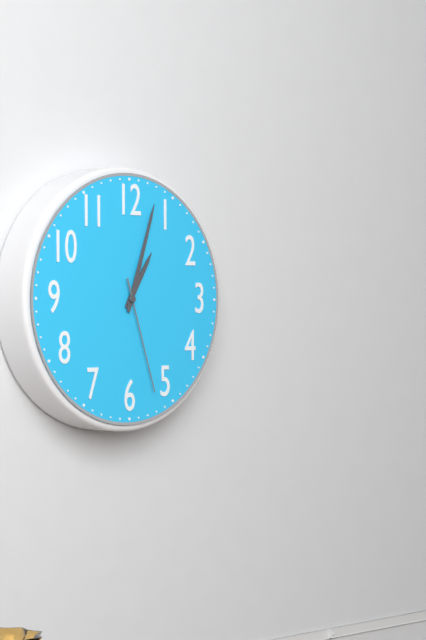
1:03:27
